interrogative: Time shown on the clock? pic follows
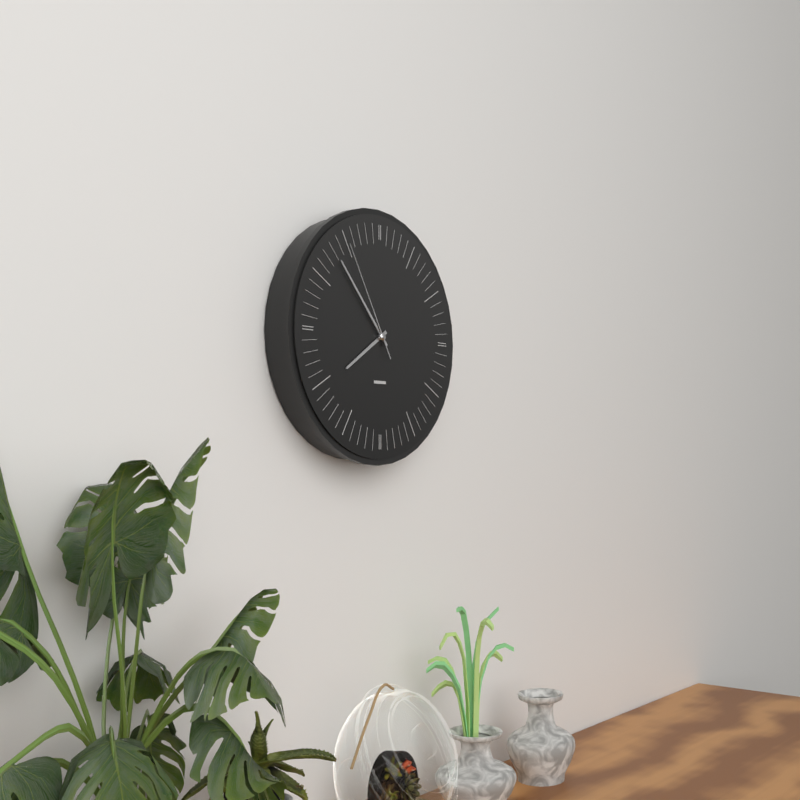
7:53:55
